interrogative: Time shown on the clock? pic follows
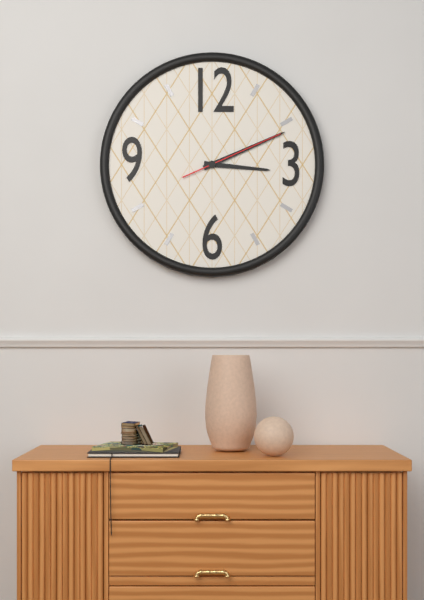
3:11:11
